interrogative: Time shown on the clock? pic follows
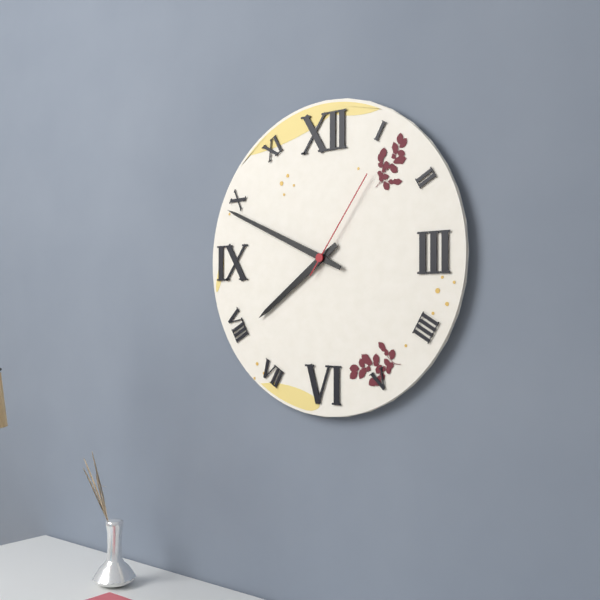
7:49:06
